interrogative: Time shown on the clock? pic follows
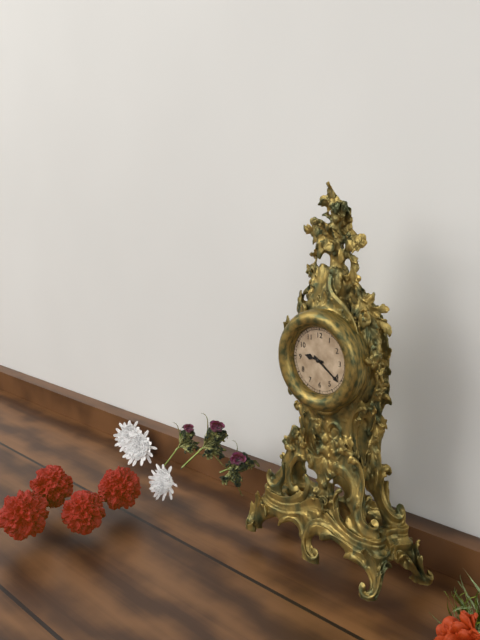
9:21
